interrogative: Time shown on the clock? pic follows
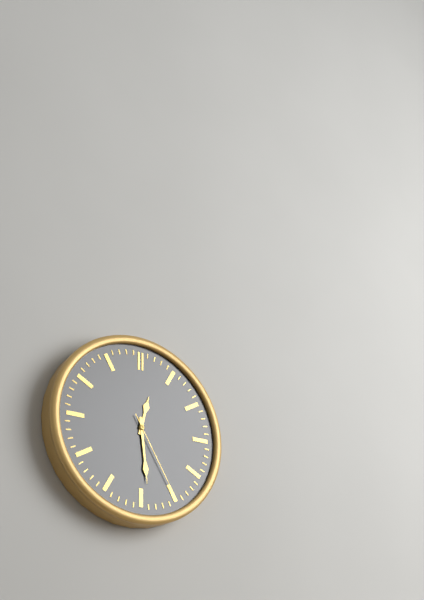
12:29:25
